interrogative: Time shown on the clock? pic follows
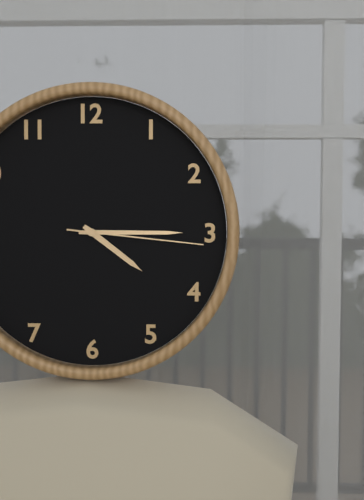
4:15:16
